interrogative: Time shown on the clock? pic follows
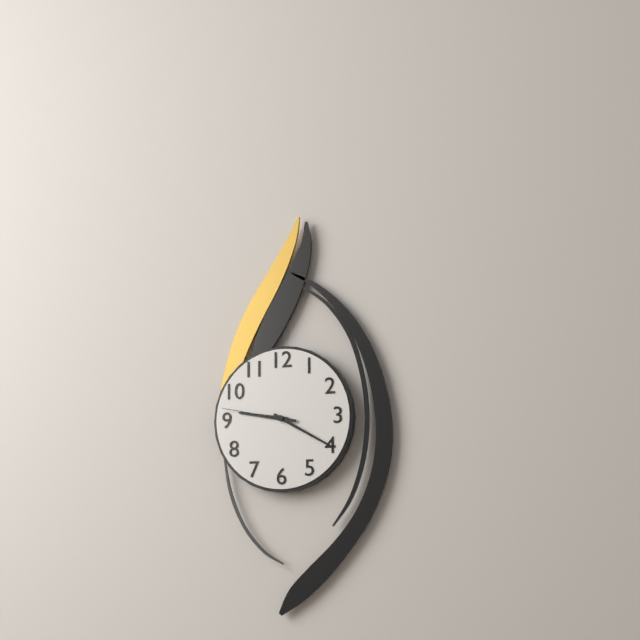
9:20:47
